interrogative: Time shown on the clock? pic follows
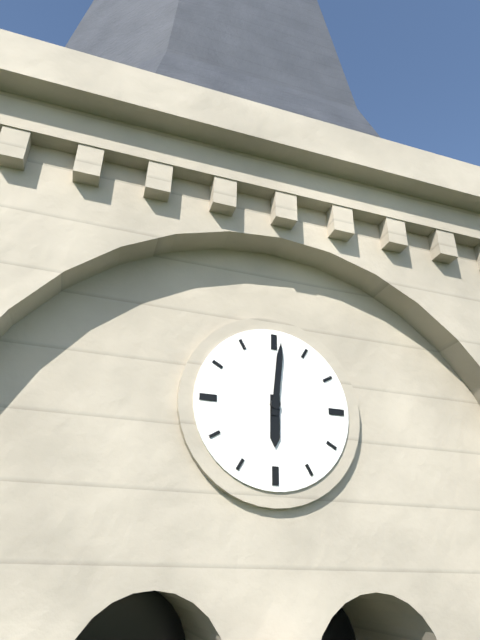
6:01
